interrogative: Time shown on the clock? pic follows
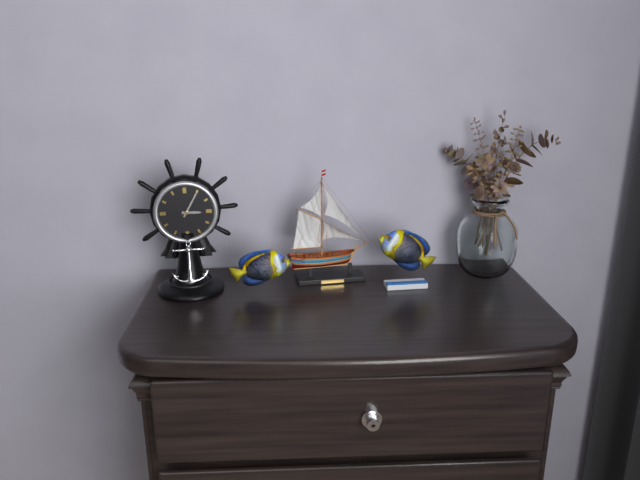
3:05
